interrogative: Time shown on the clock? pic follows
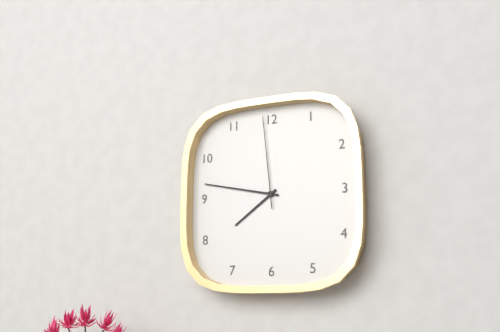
7:47:59
